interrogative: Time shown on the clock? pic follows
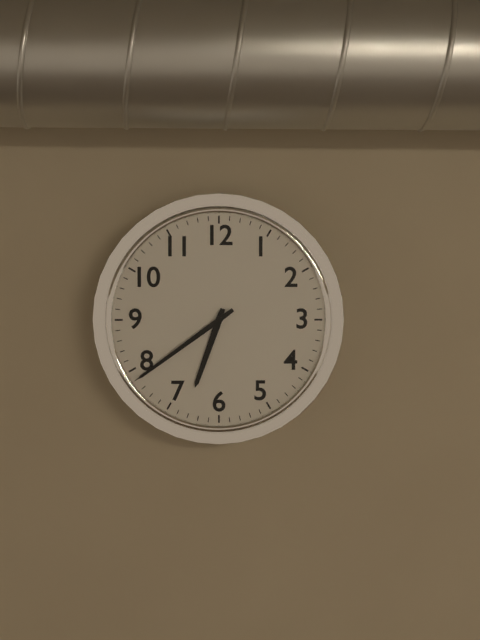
6:39
